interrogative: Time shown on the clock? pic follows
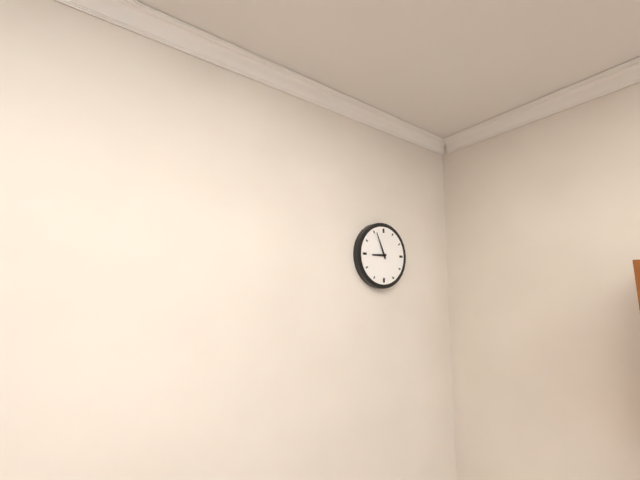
8:56
